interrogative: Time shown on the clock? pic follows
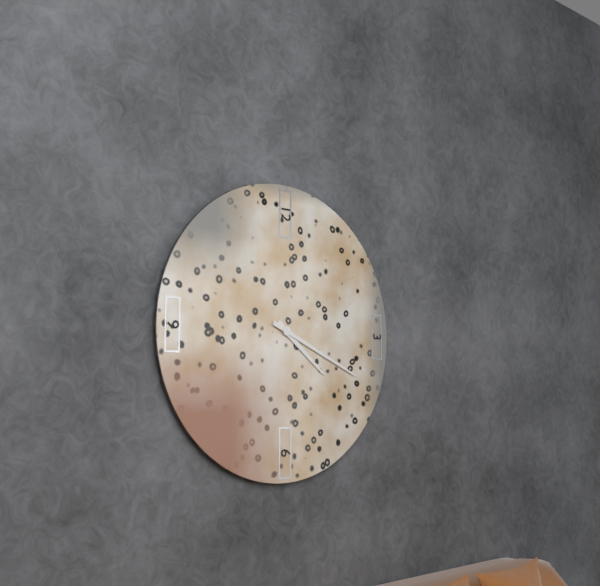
4:19
